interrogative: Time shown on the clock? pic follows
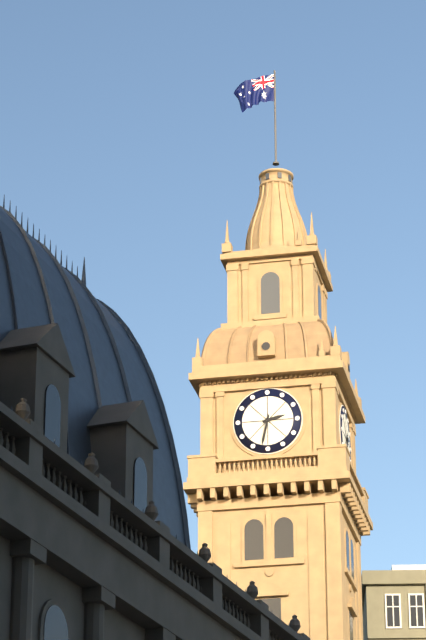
2:32
